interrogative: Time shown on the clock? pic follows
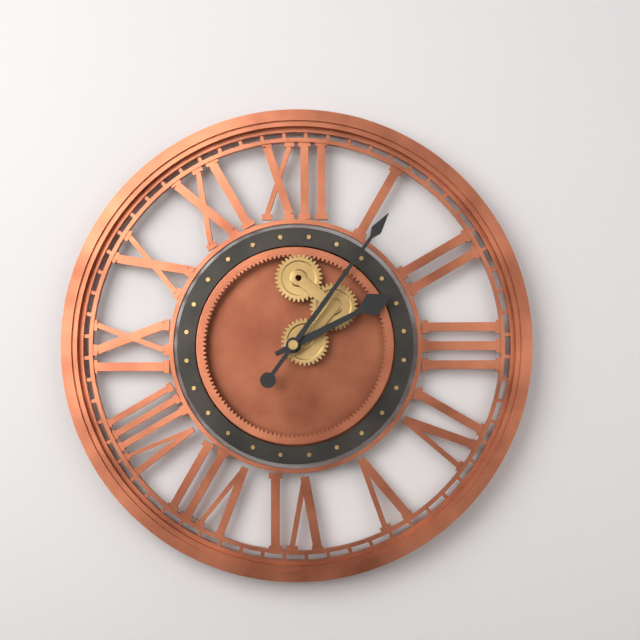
2:06
